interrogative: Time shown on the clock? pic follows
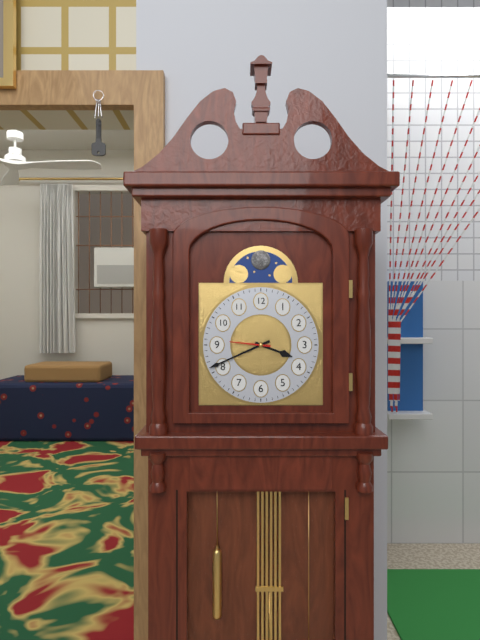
3:41
